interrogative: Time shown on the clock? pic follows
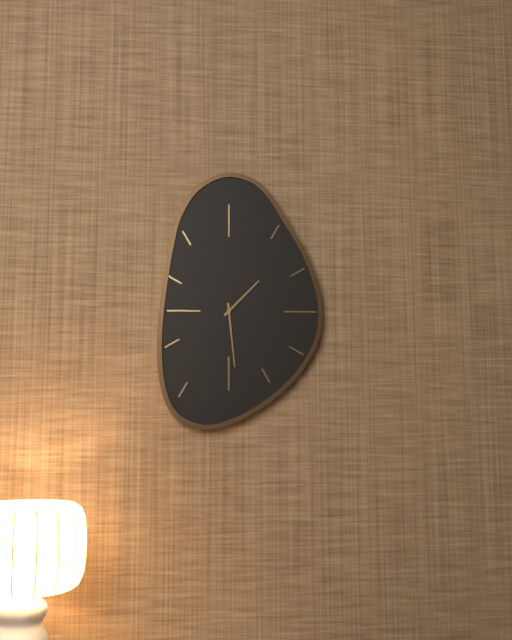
1:29
